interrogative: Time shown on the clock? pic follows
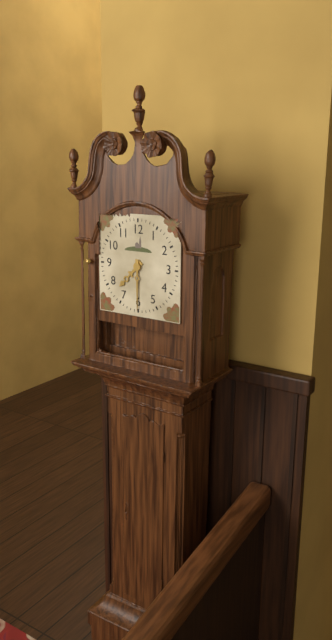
7:30
